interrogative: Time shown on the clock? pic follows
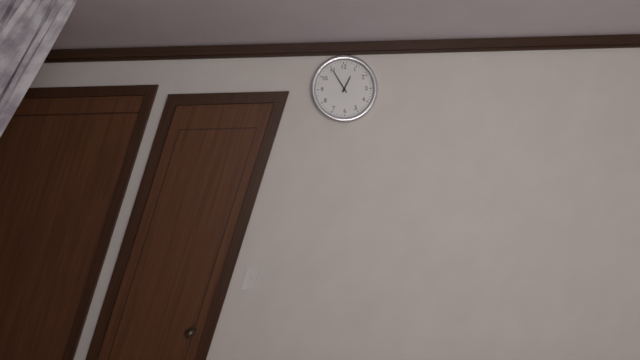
12:55
